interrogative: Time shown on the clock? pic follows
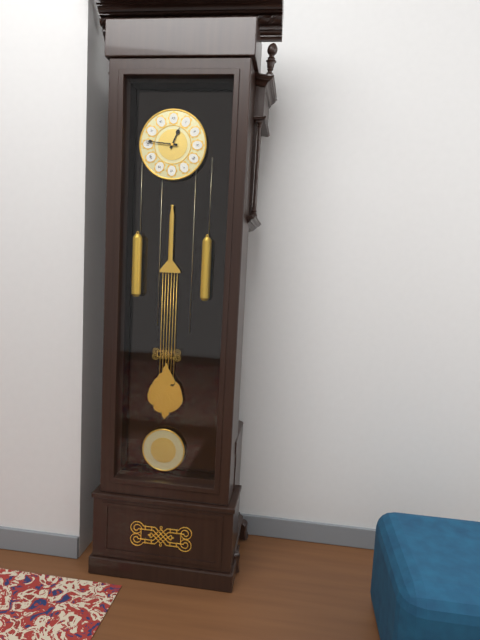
12:46
